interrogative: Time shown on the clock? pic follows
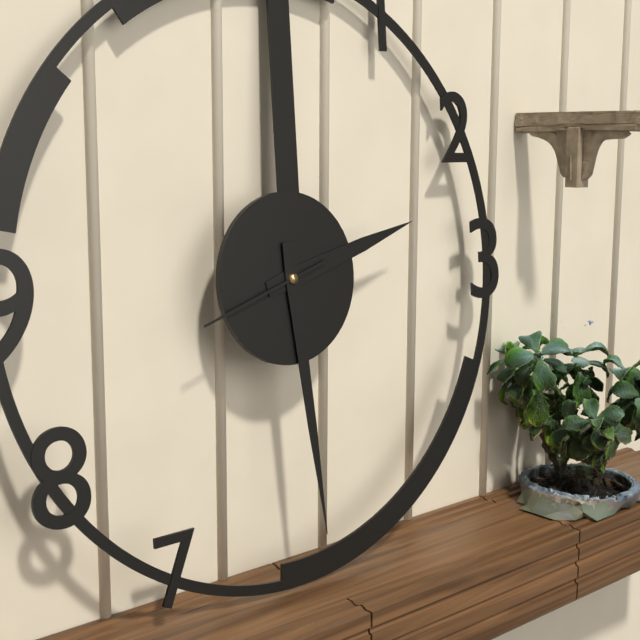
2:29:42
